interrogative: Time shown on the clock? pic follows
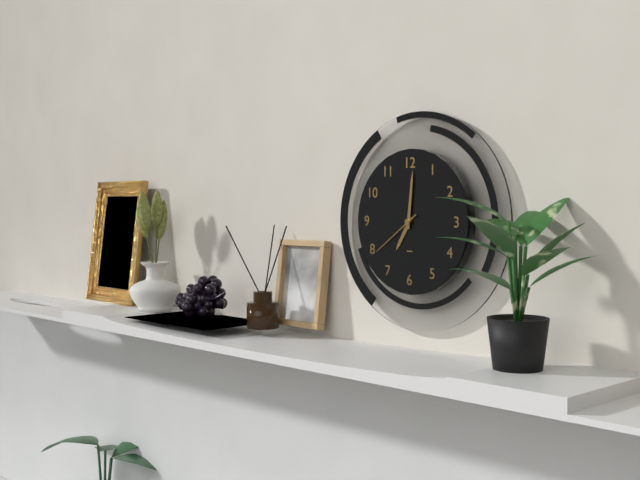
7:01:39
